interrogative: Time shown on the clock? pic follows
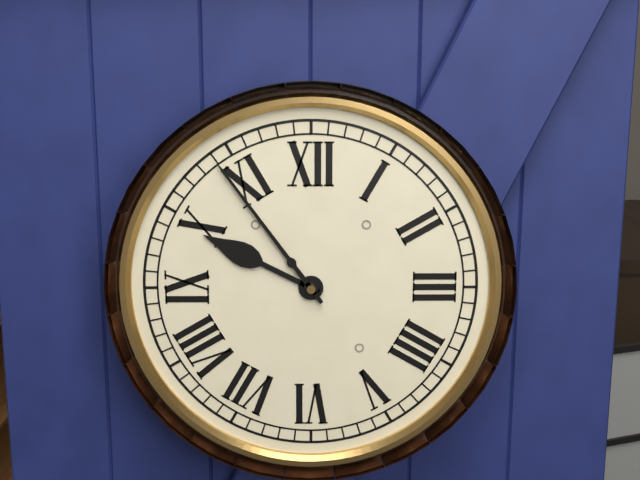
9:54
